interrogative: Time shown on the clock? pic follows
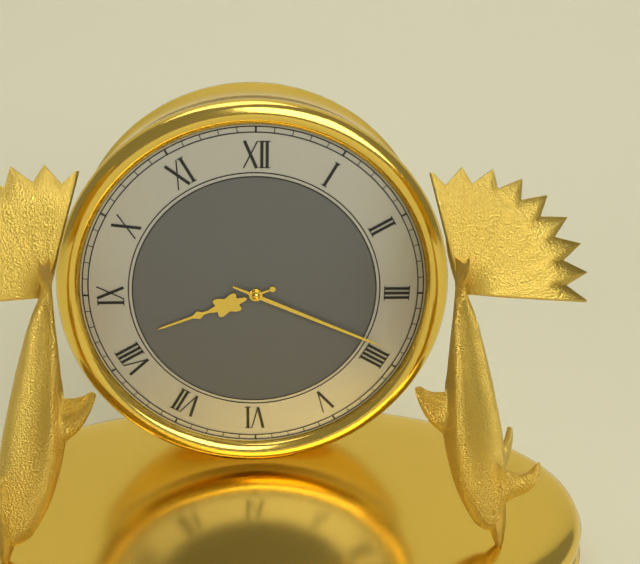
8:19
